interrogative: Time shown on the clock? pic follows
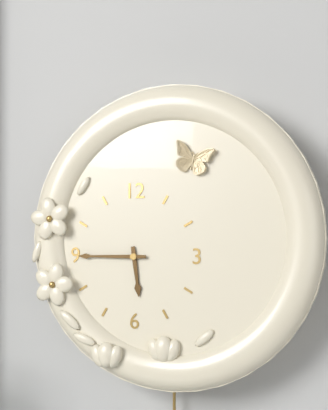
5:45
